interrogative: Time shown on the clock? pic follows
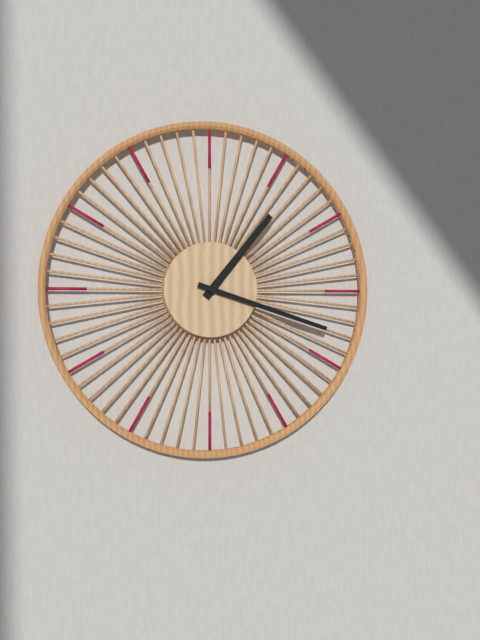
1:18
